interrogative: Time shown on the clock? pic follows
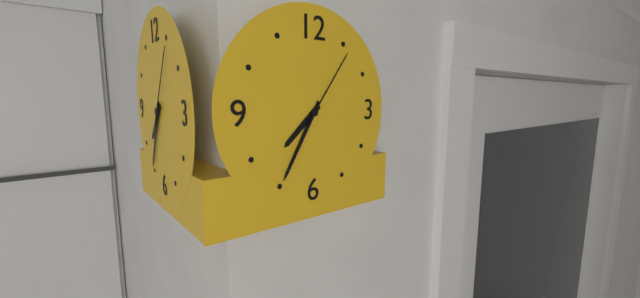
7:35:06
